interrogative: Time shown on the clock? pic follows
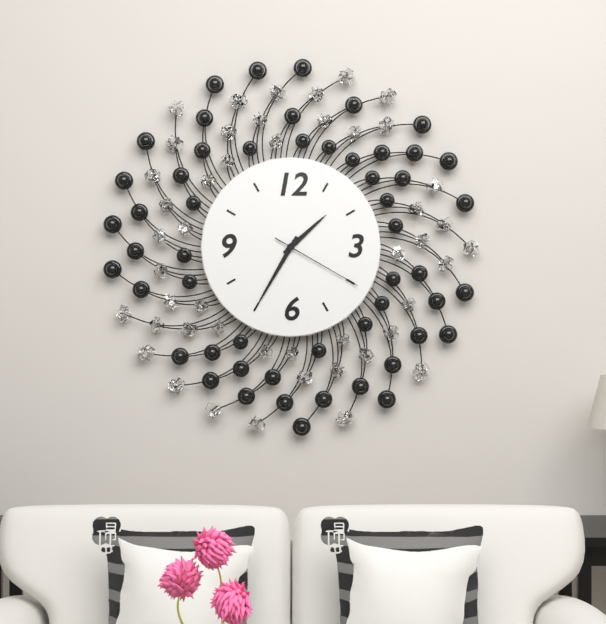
1:35:20
